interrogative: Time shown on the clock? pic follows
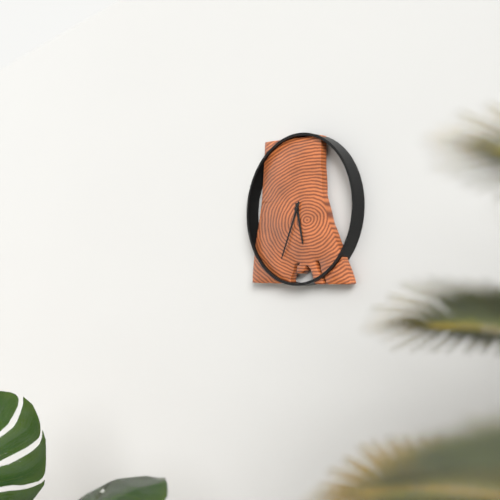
5:34
